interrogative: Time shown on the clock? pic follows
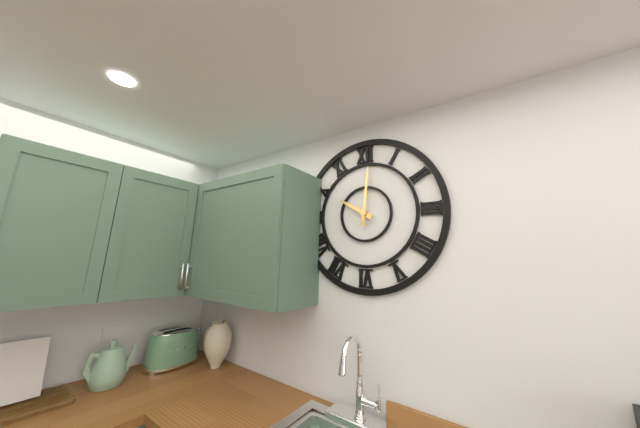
10:01
